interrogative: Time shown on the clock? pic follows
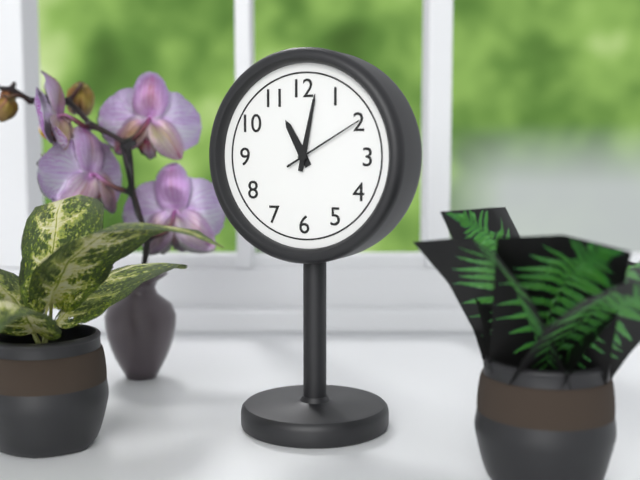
11:02:10
